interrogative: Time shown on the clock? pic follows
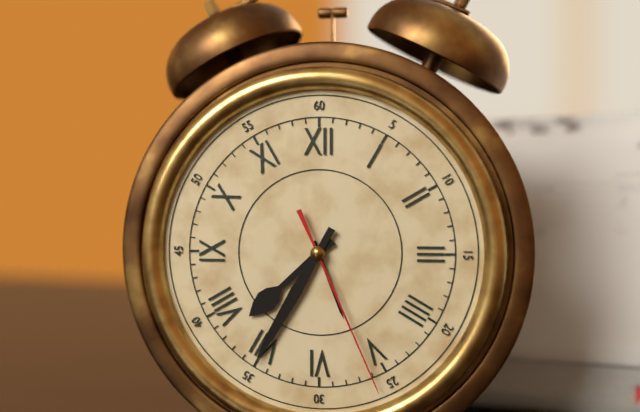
7:35:26
